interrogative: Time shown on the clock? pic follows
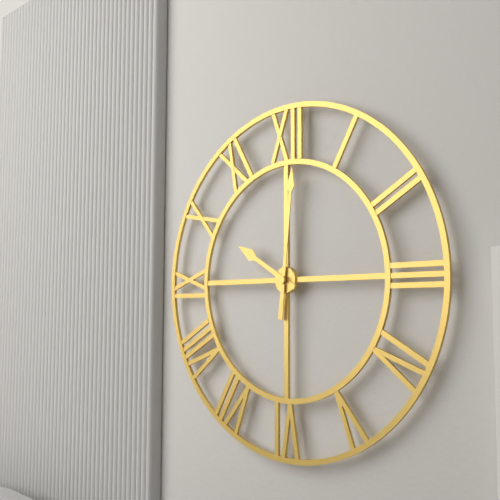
10:01
